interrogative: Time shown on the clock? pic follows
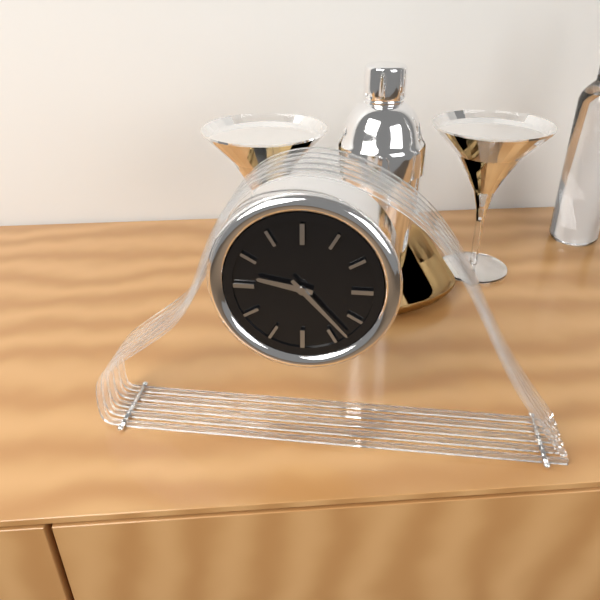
9:23
